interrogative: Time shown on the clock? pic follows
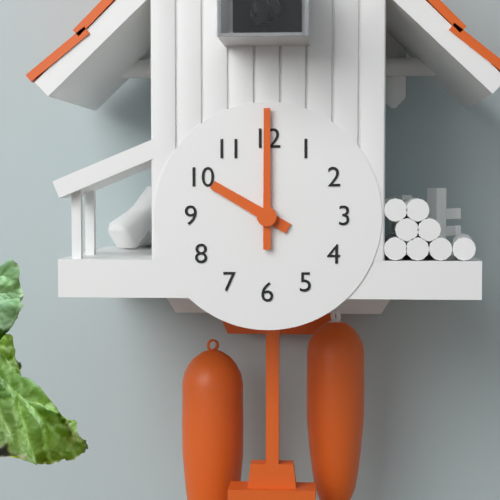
10:00
